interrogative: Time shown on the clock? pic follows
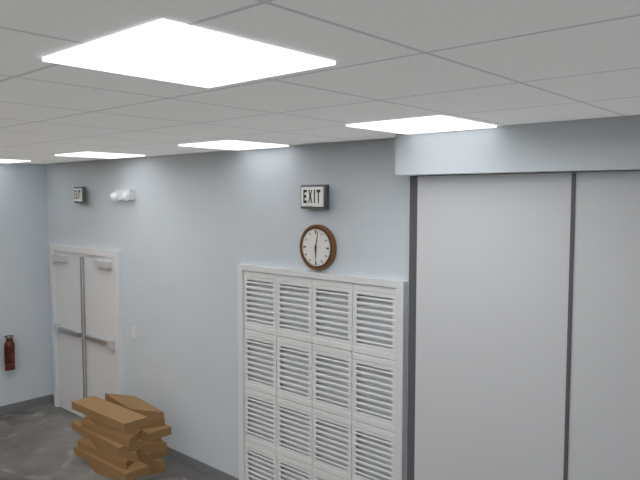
6:02
